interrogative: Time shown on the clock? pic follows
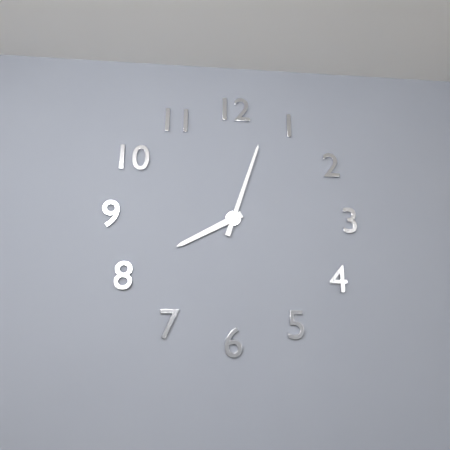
8:03
